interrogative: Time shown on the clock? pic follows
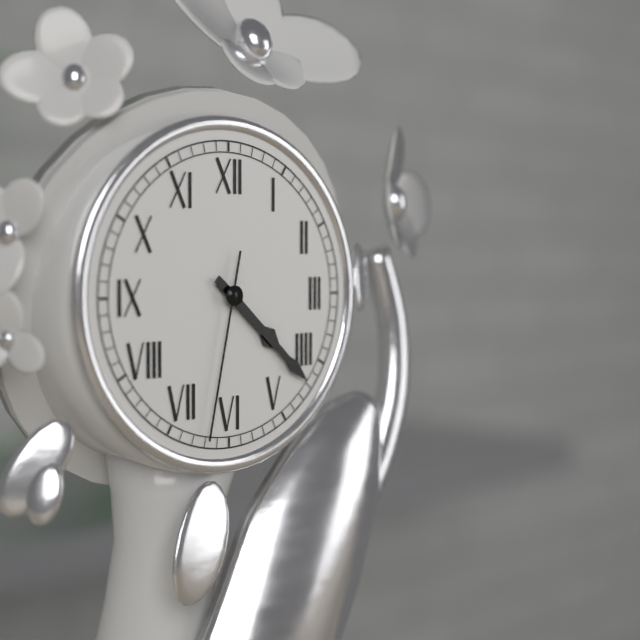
4:22:32
